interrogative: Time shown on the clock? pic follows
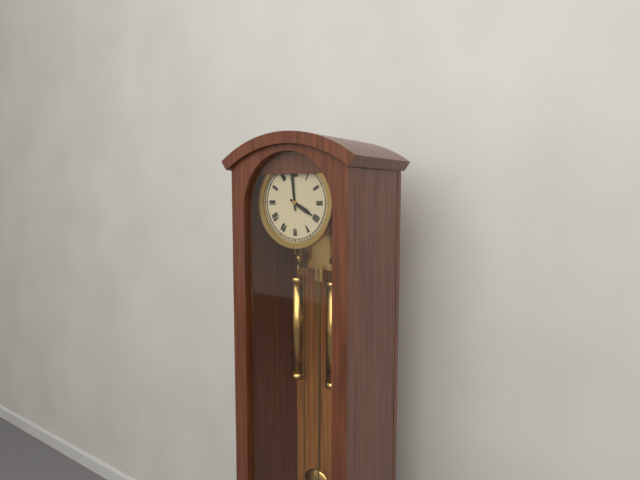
3:59
